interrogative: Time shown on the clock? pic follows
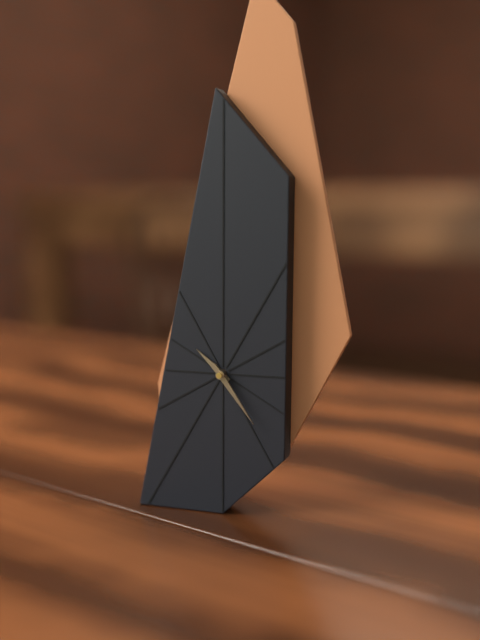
10:24
